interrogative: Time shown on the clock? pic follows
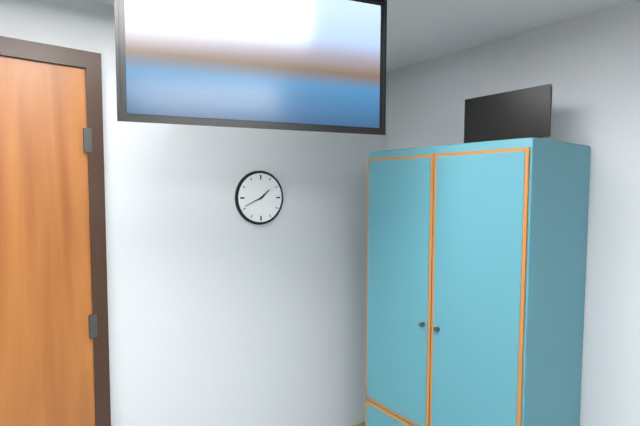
1:41
